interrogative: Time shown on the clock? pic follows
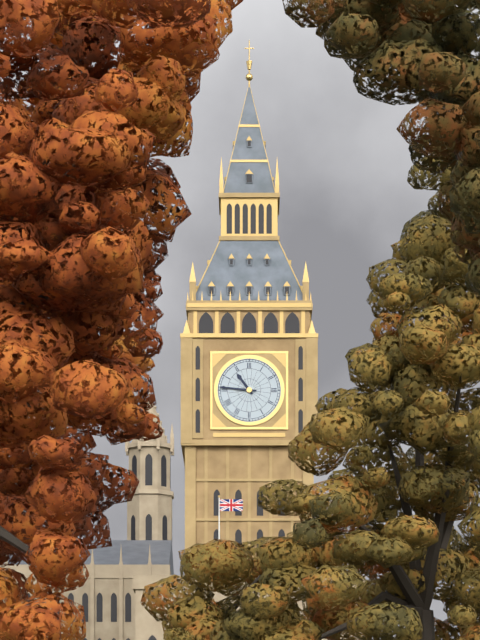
10:46
